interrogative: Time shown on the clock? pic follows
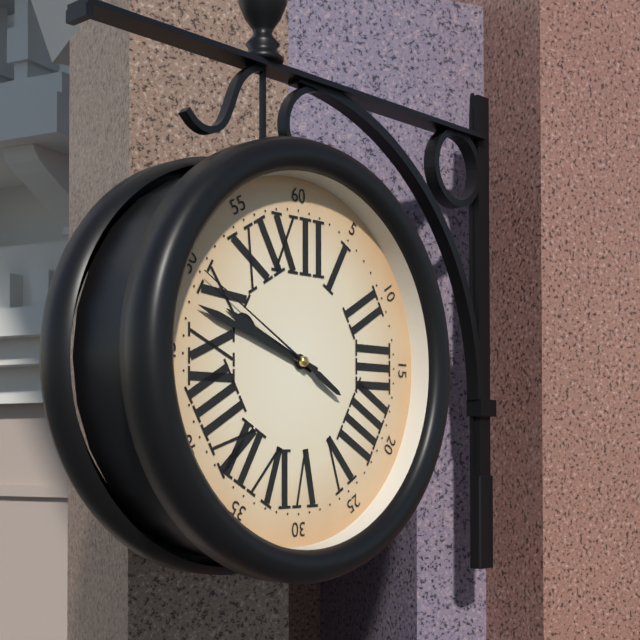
9:48:50
